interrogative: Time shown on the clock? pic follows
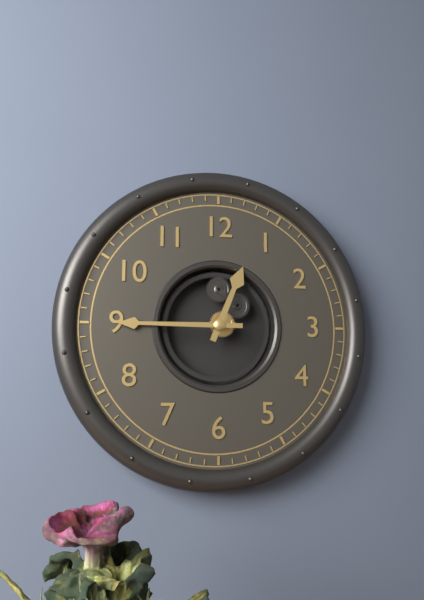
12:45
